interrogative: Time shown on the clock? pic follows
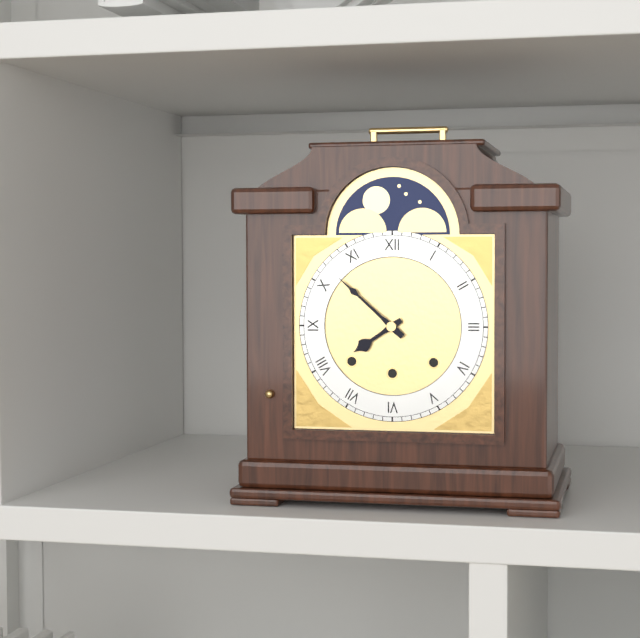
7:52
